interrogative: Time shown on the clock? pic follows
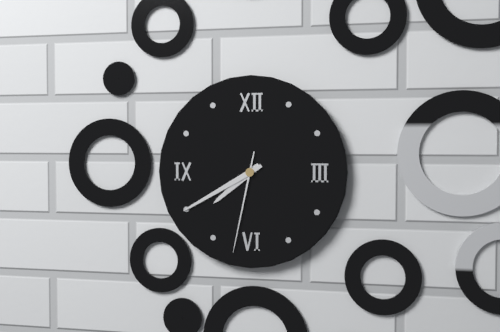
7:40:32
